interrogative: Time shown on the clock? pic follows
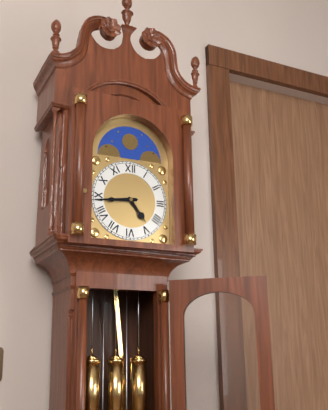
4:44
